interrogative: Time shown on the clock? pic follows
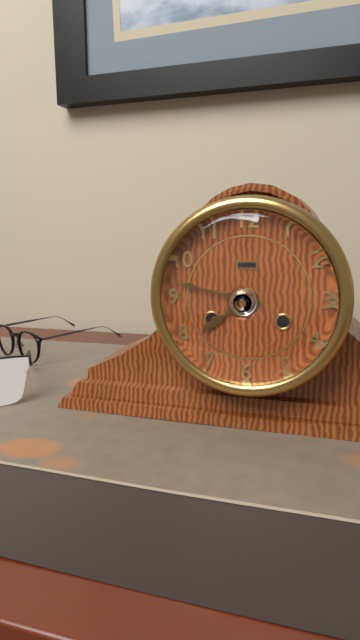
7:47
